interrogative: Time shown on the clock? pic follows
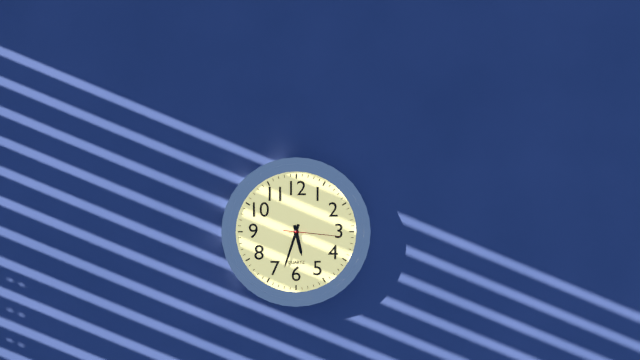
5:33:16
